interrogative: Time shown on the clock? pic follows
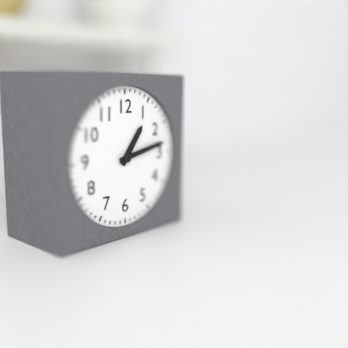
1:13
